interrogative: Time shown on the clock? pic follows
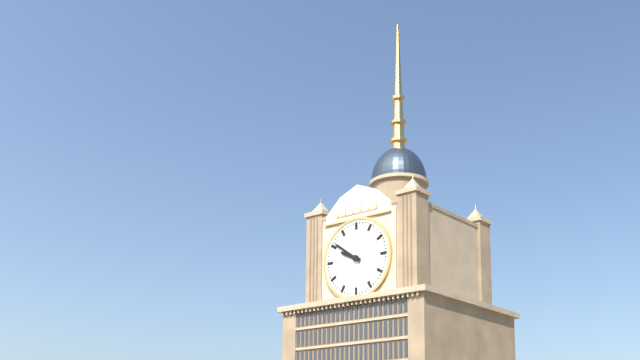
9:51
